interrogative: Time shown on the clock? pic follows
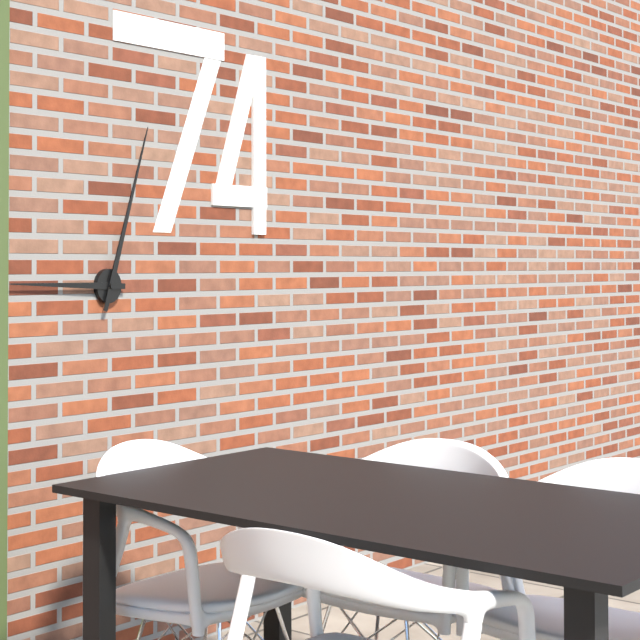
9:03
